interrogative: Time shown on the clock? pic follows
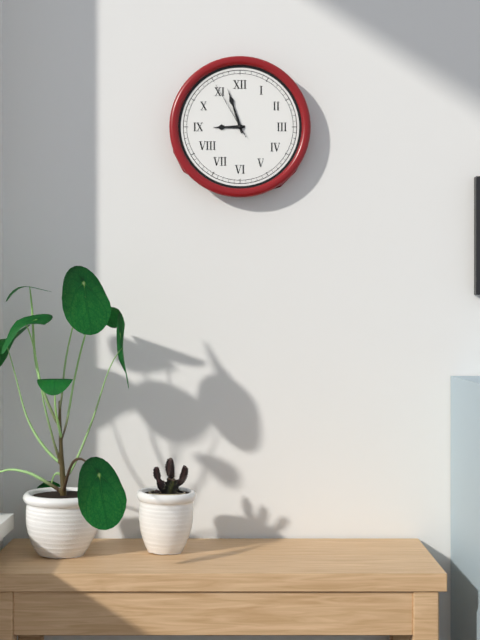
8:57:55
